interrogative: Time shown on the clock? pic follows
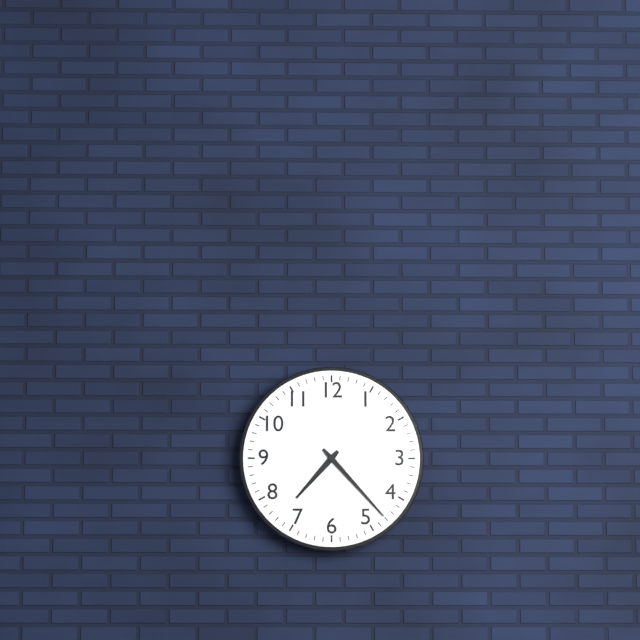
7:23
